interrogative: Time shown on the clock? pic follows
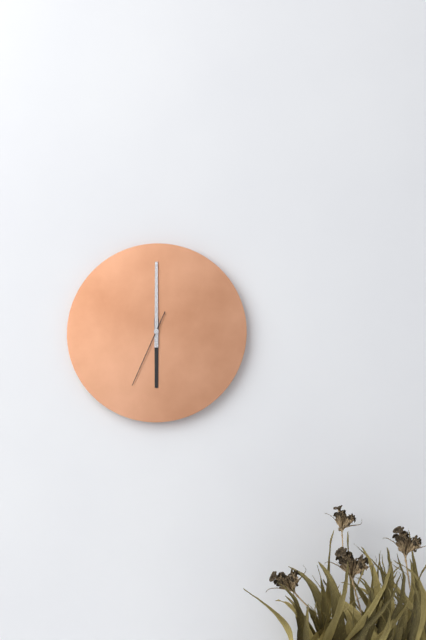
6:00:34
